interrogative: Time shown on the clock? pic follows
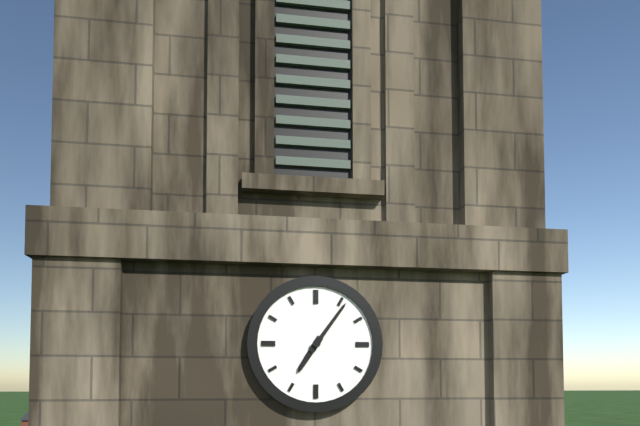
7:06
